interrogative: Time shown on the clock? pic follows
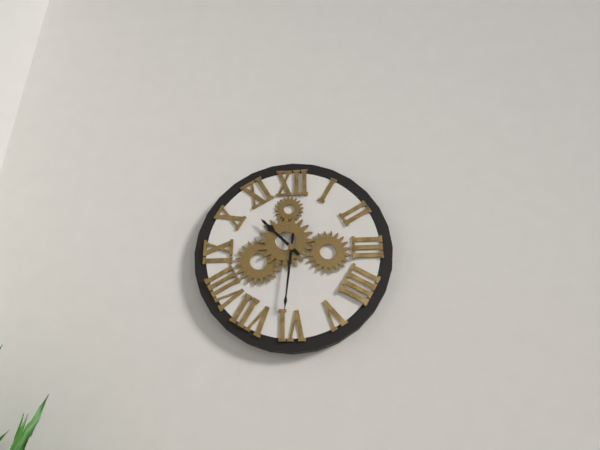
10:31
